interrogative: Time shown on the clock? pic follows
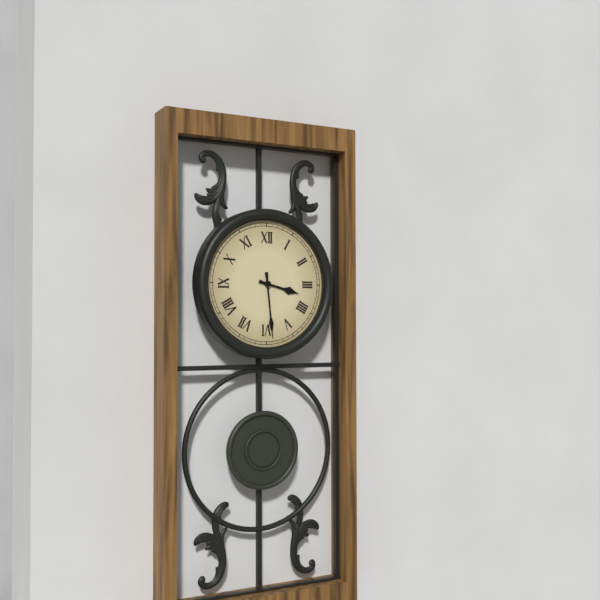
3:29
